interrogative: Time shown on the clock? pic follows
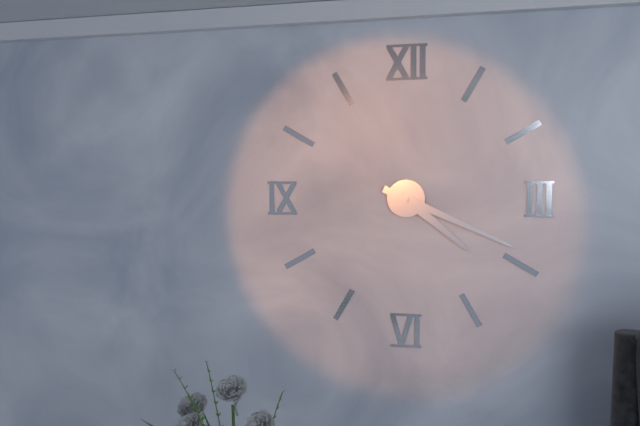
4:19
